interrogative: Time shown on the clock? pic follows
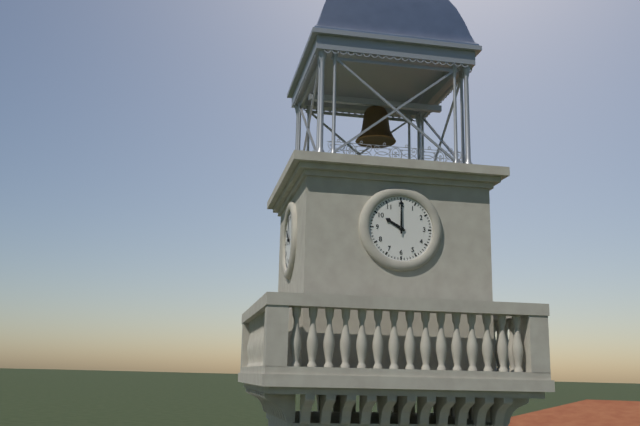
10:00
